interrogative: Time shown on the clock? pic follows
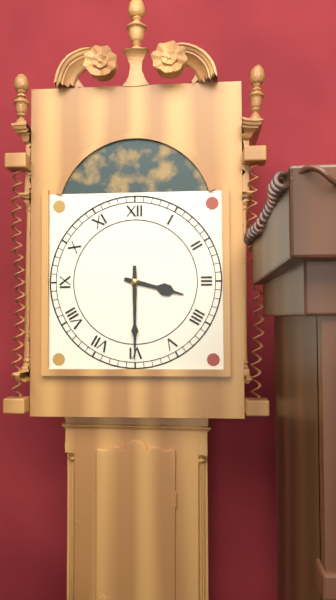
3:30
